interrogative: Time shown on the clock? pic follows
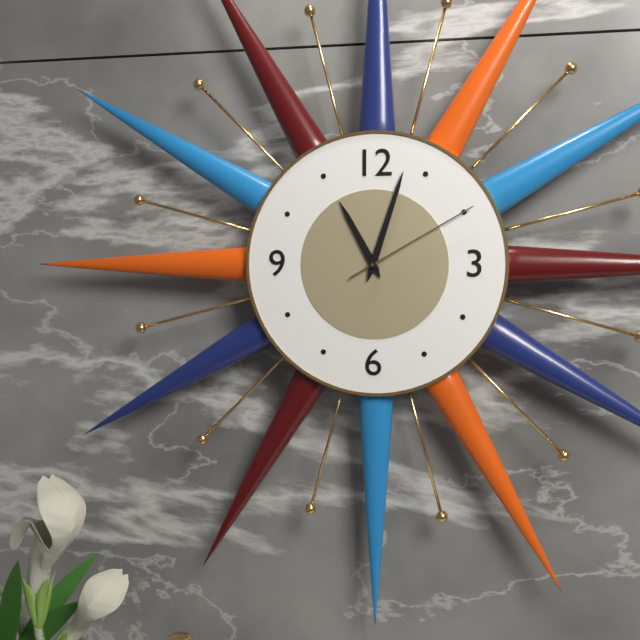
11:03:10
